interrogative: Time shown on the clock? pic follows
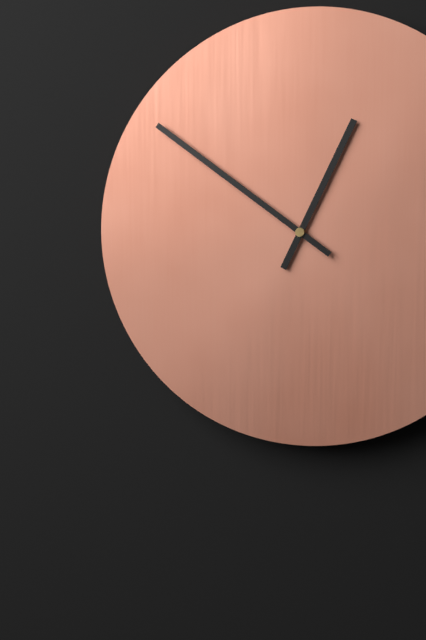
12:51
